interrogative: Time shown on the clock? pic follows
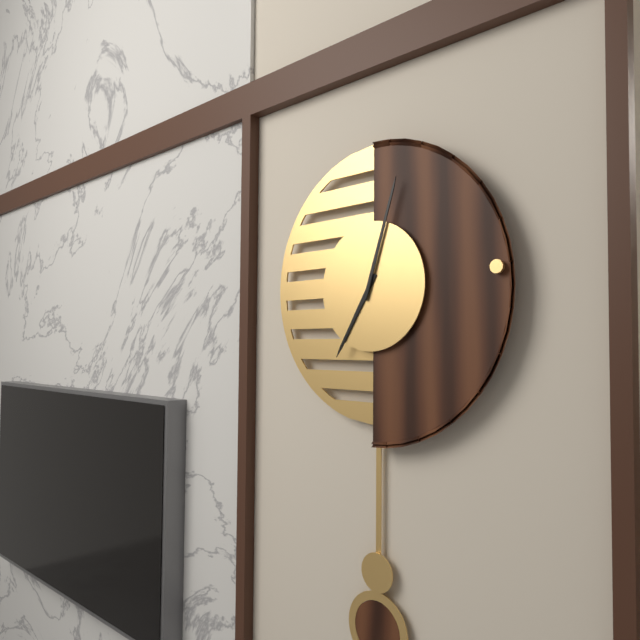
7:03
